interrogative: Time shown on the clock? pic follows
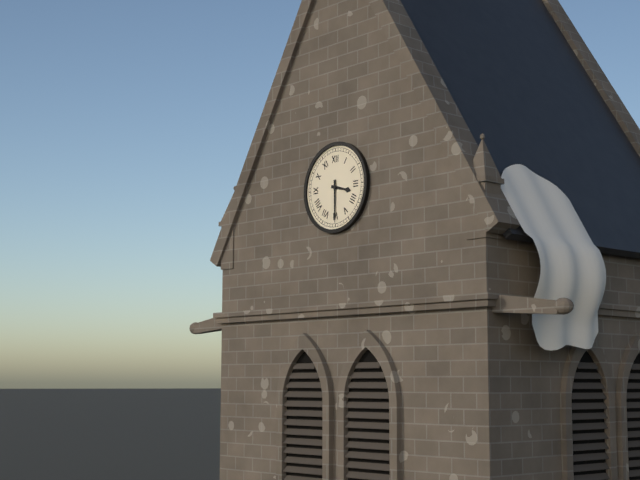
3:30
